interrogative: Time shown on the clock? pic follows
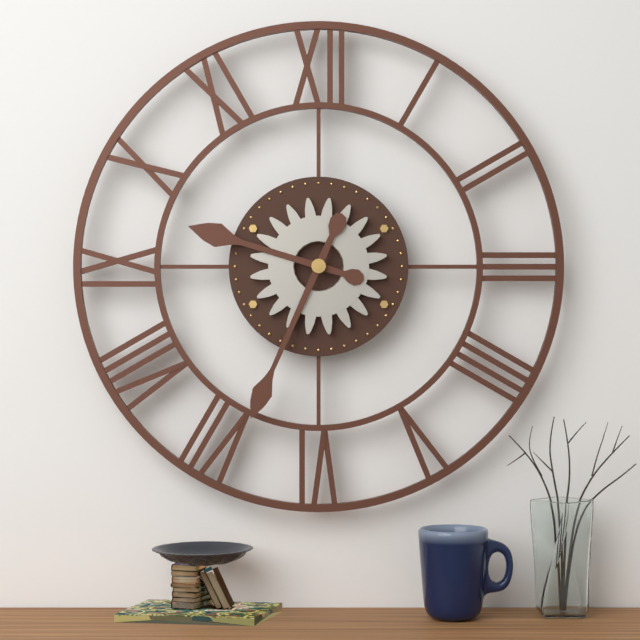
9:34
